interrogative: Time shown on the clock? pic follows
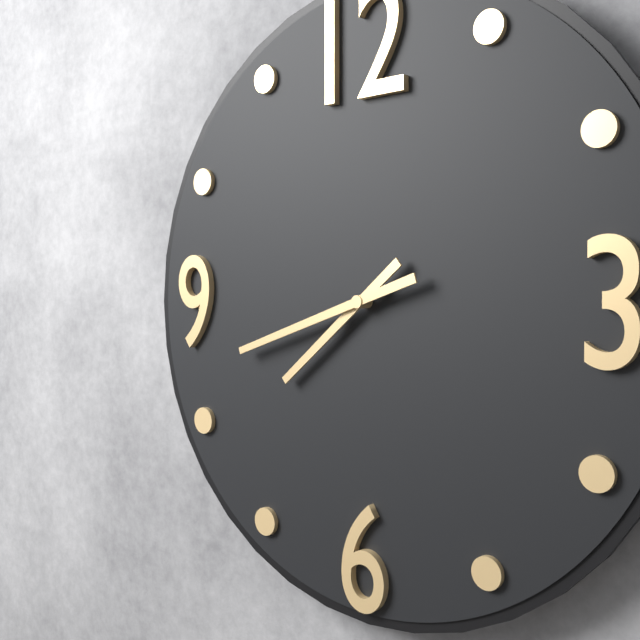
7:42
